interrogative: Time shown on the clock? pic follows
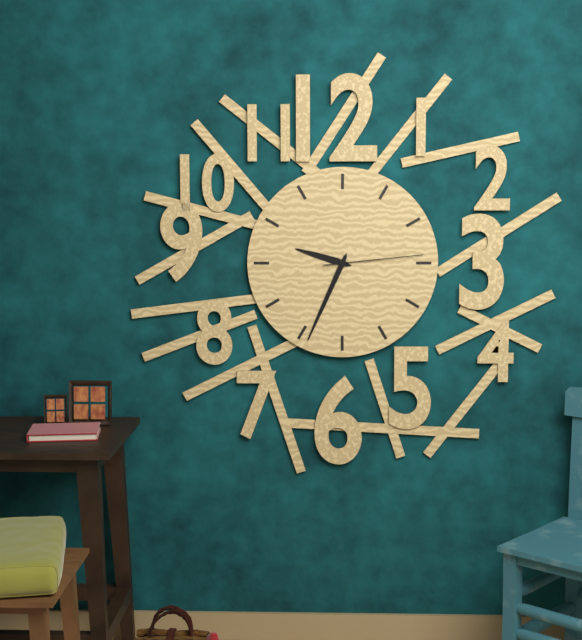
9:34:14
